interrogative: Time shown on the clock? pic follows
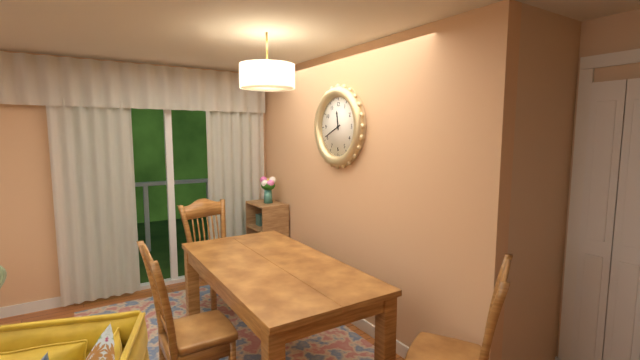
11:41
